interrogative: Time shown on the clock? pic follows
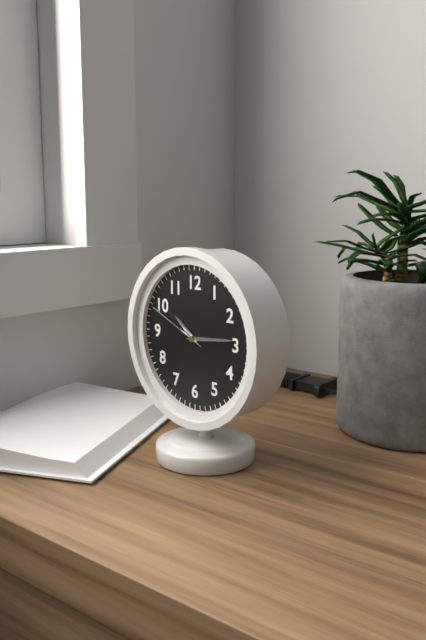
10:14:49
